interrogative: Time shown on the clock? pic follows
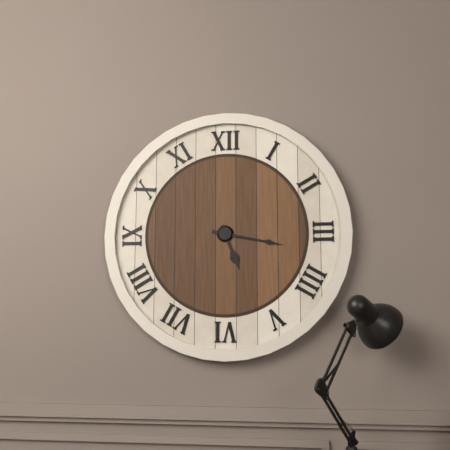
5:17
